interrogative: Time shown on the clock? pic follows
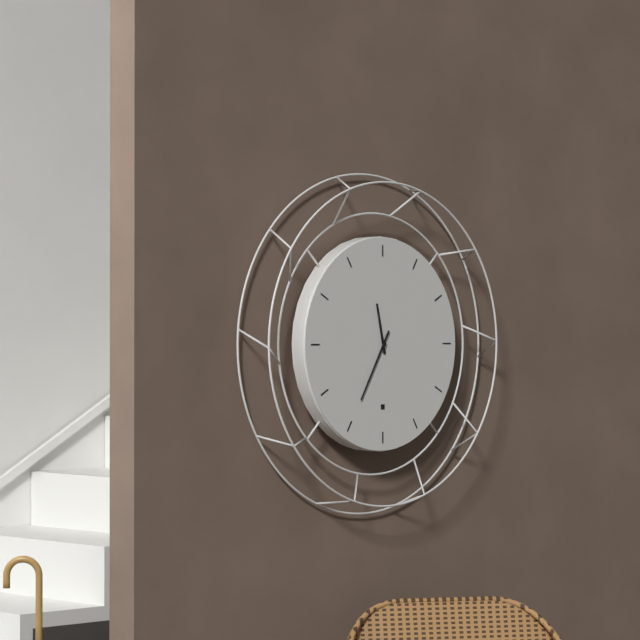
11:35
